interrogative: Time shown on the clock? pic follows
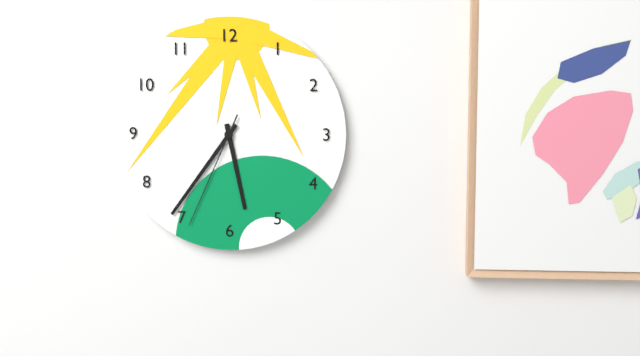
5:36:34
